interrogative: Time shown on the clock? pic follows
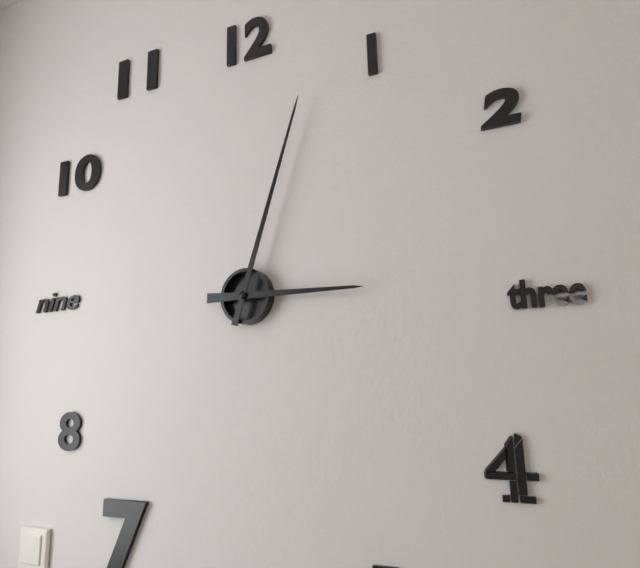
3:03
